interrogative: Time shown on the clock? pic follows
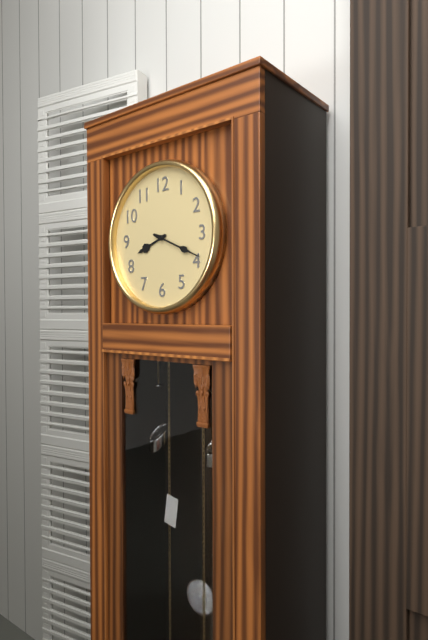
8:19
